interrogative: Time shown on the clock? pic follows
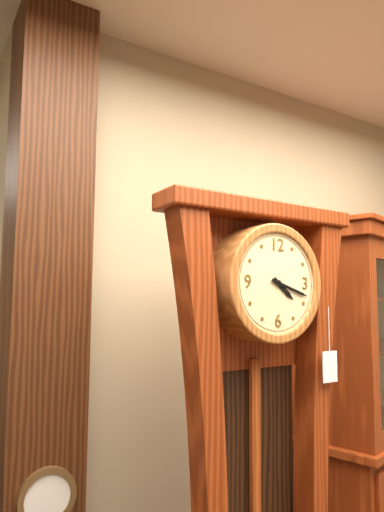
4:18
